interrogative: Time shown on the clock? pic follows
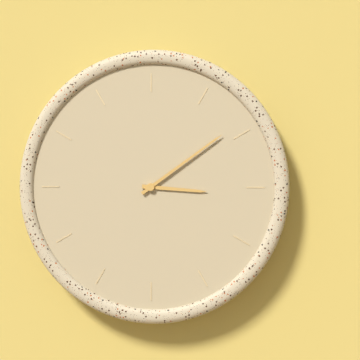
3:09
